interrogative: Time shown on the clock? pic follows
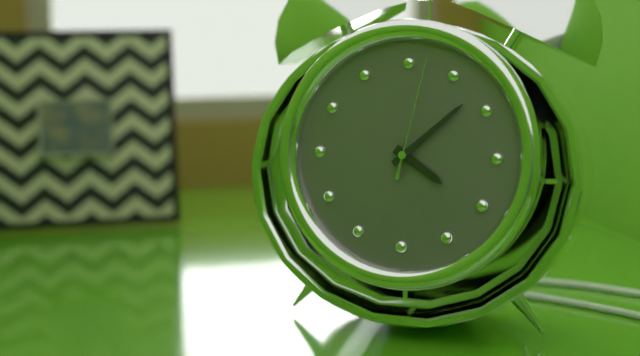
4:08:02
